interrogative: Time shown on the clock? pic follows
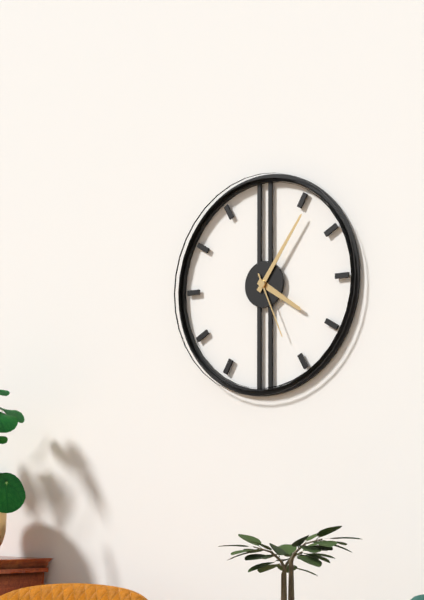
4:06:26
